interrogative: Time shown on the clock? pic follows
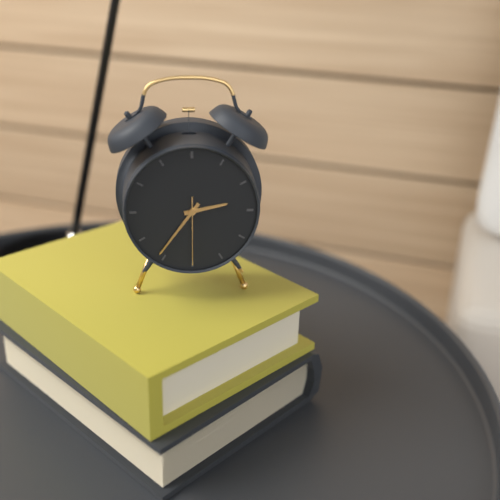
2:36:30
